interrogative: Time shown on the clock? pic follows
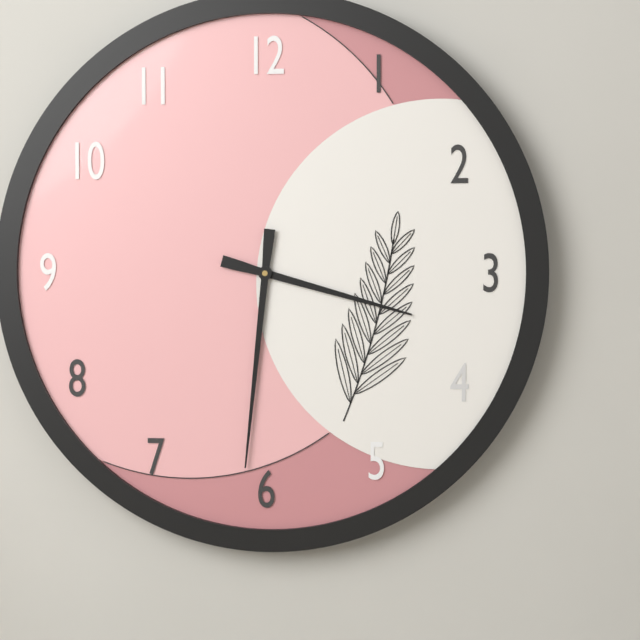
3:31
